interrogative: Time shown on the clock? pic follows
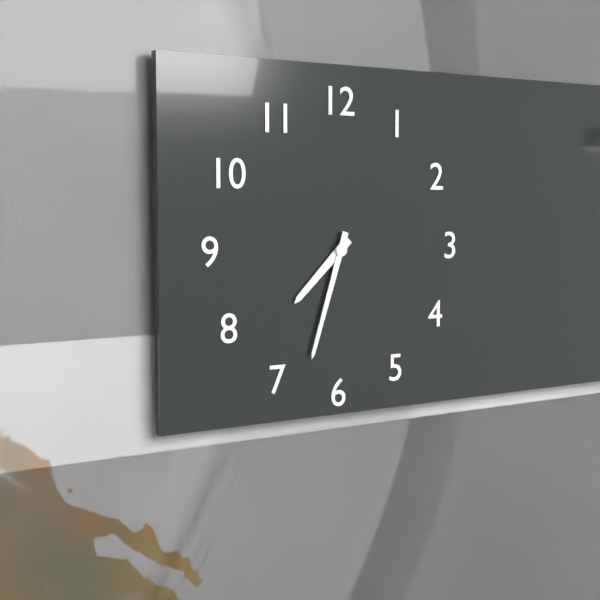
7:33
